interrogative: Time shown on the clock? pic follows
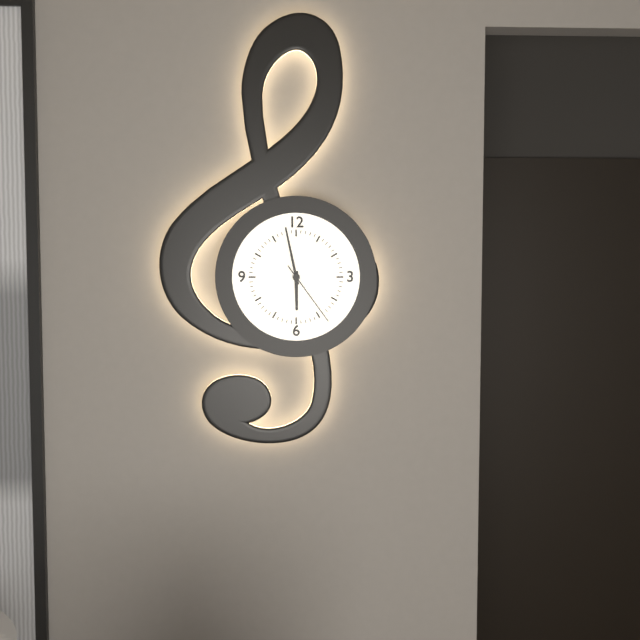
5:58:24
